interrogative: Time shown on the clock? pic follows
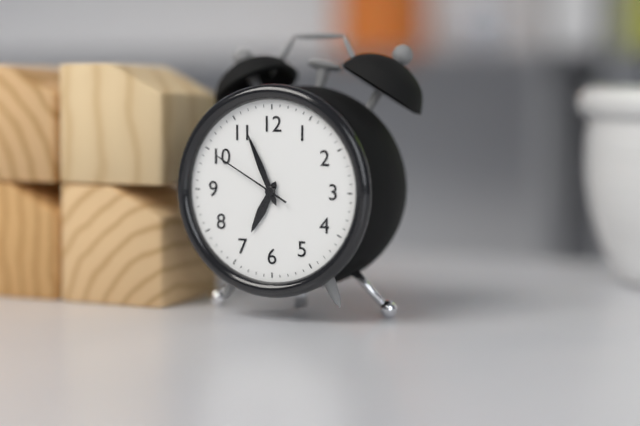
6:56:50
